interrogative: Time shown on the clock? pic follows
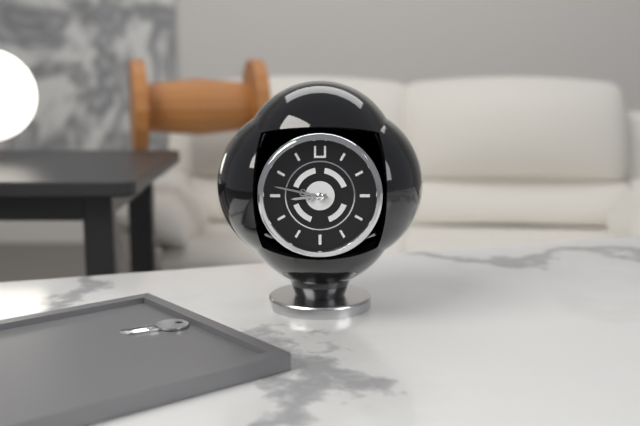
8:47
